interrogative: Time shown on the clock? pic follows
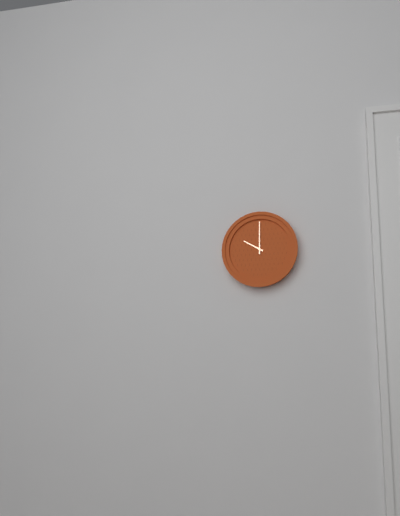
10:00
